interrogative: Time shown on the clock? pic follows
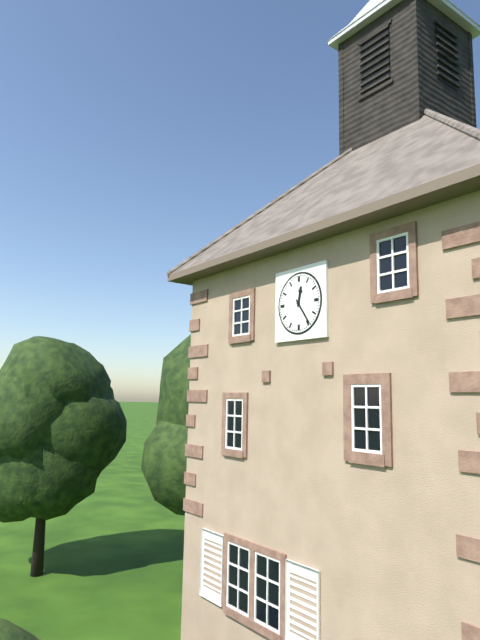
12:24
